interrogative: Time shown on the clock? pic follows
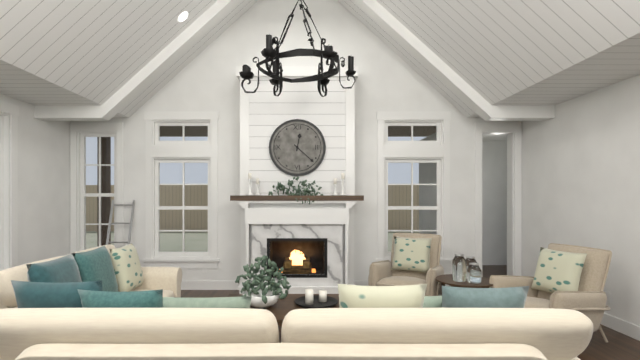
12:22
